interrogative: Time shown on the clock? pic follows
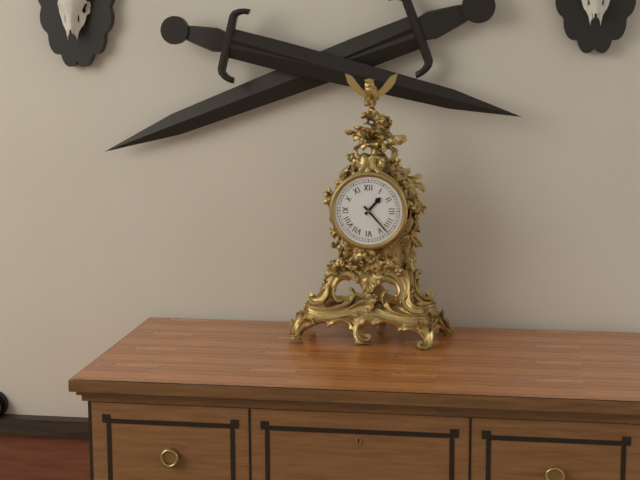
1:23
